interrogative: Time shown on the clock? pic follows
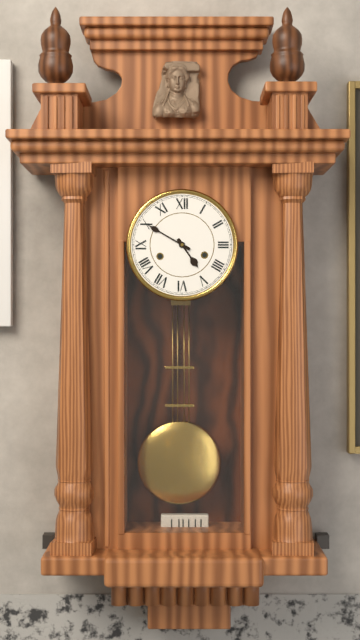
4:50
